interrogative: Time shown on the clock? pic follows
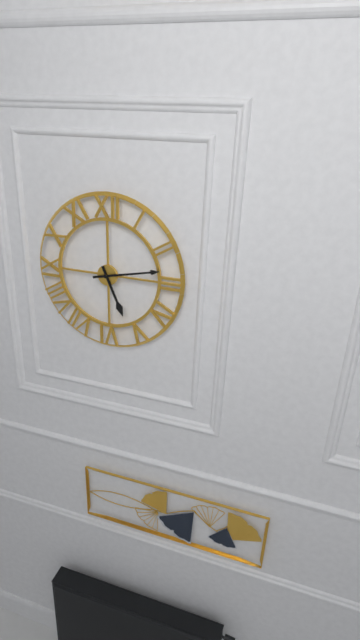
5:13
